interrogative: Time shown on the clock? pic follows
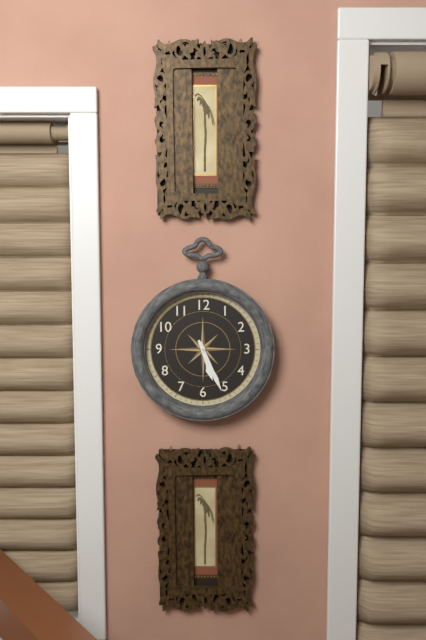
5:26
